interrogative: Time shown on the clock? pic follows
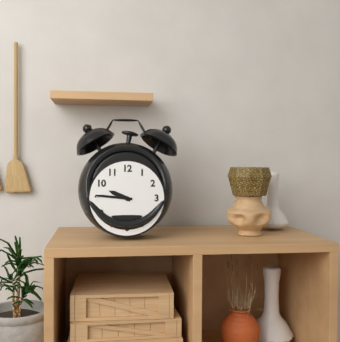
9:46
